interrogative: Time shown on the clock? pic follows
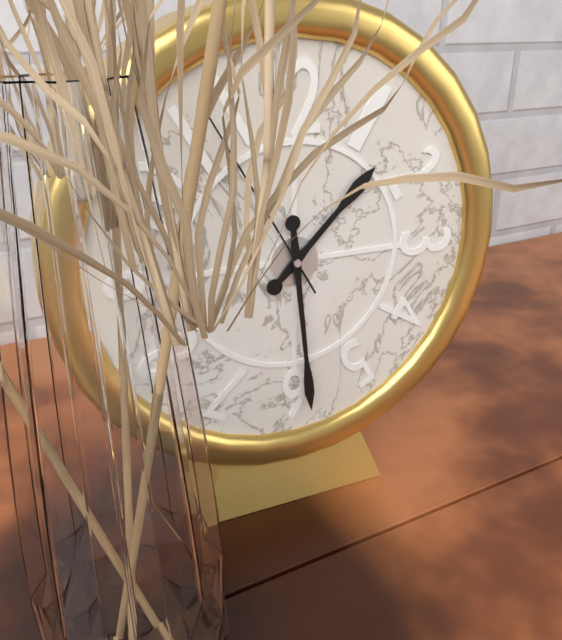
1:29
